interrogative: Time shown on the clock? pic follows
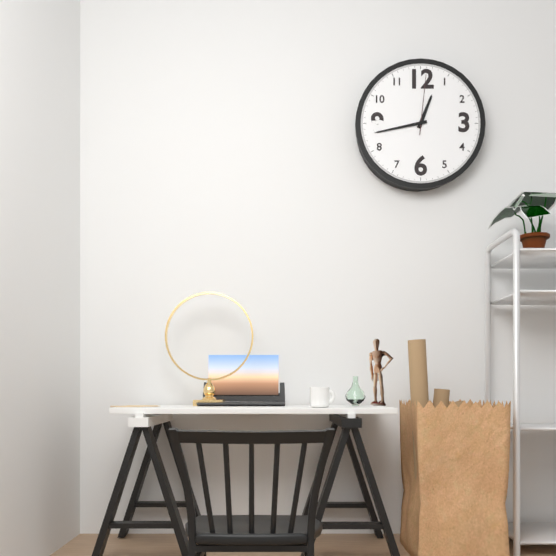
12:43:01
